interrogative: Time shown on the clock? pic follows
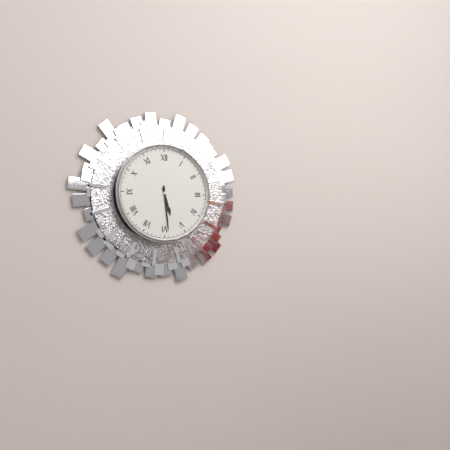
5:29
